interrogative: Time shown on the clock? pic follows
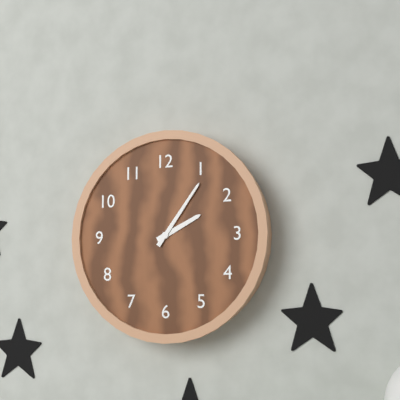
2:06
